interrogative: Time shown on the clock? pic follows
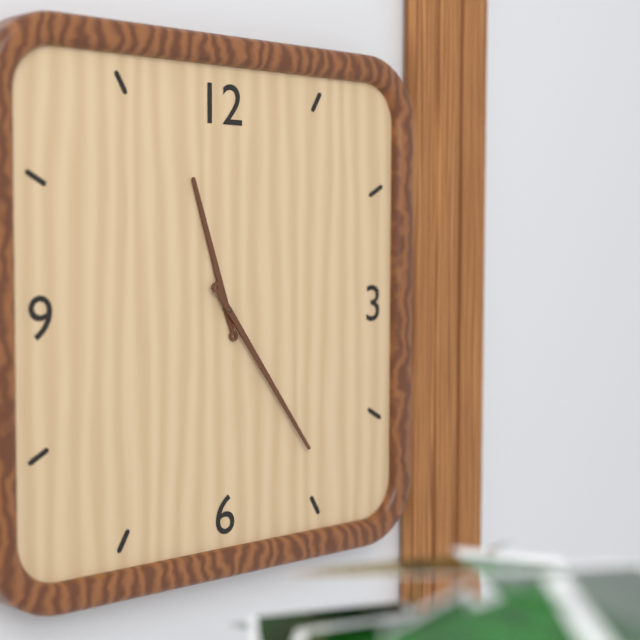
11:24
